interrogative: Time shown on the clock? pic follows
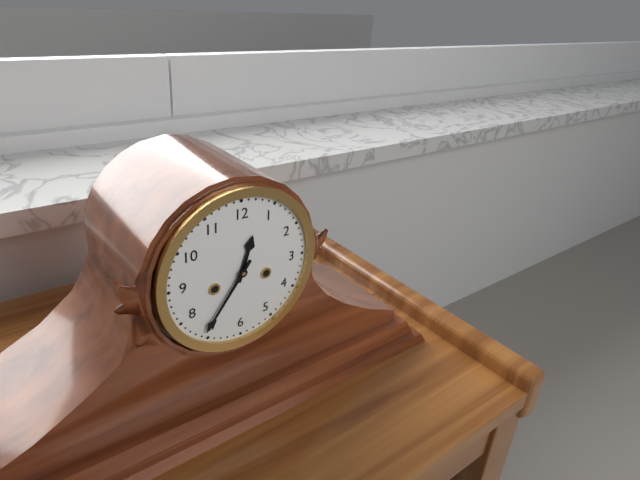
12:36
